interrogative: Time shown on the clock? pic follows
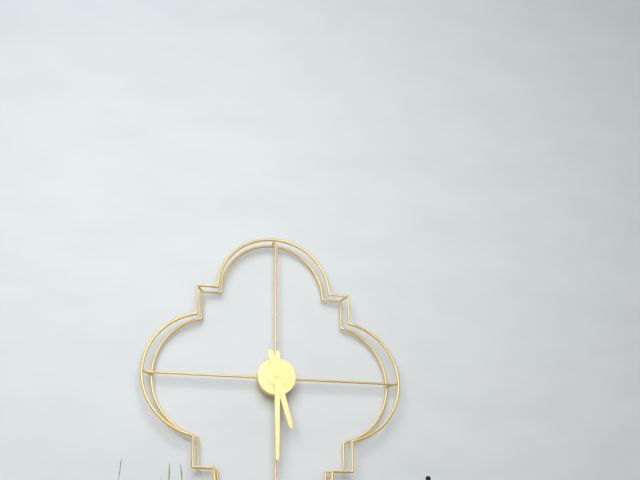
5:30
